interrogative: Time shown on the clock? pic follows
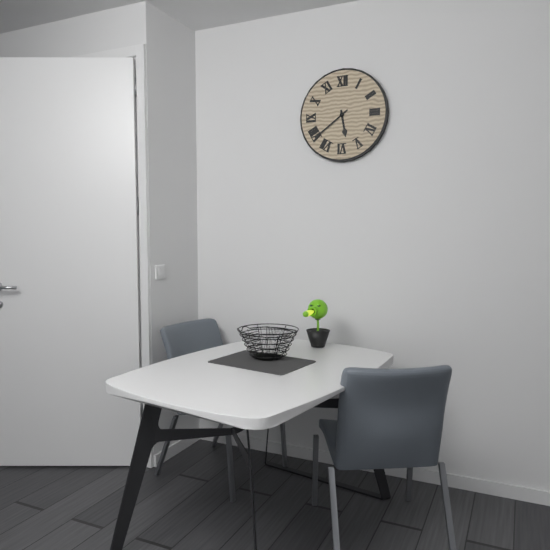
5:39
